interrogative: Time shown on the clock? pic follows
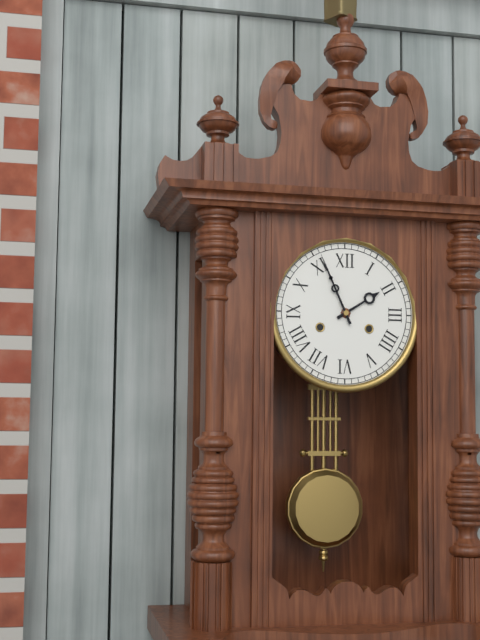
1:56
